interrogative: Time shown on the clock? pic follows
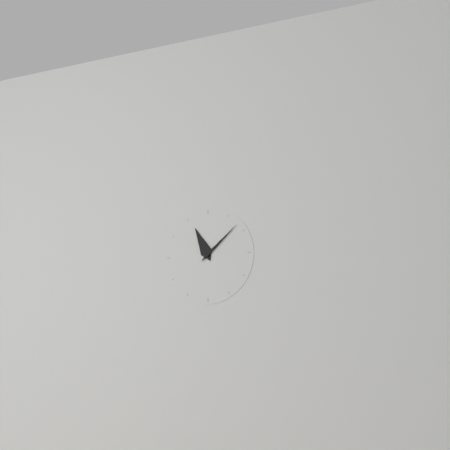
11:08
